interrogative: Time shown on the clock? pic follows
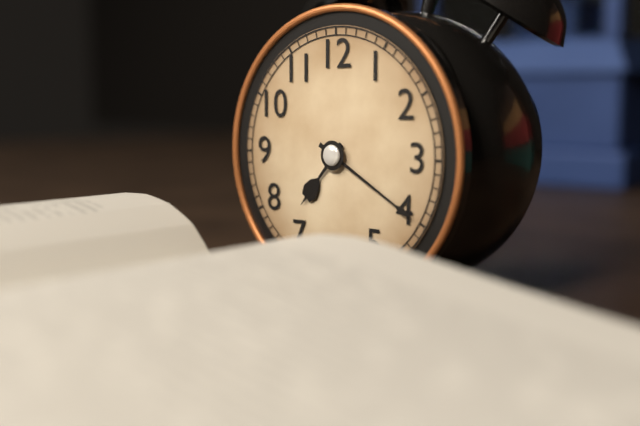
7:20
